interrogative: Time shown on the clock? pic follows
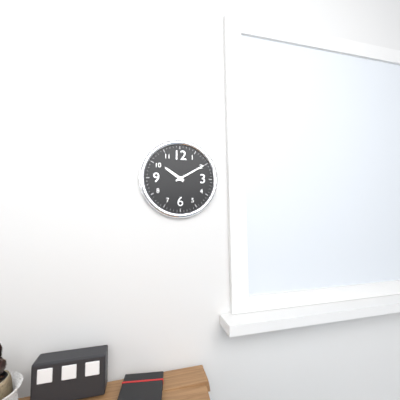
10:10
